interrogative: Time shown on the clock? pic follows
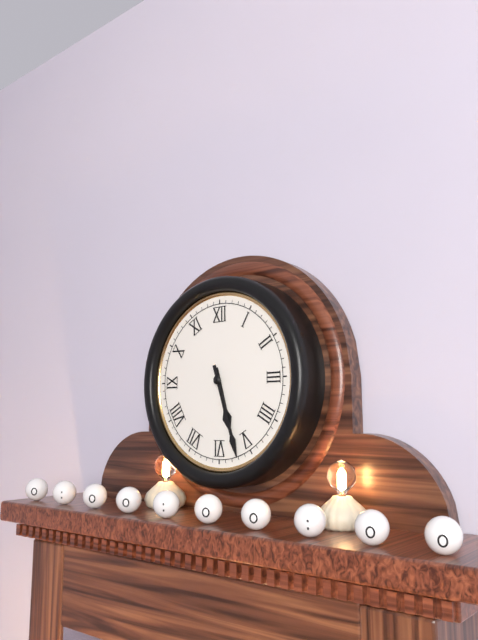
5:27
